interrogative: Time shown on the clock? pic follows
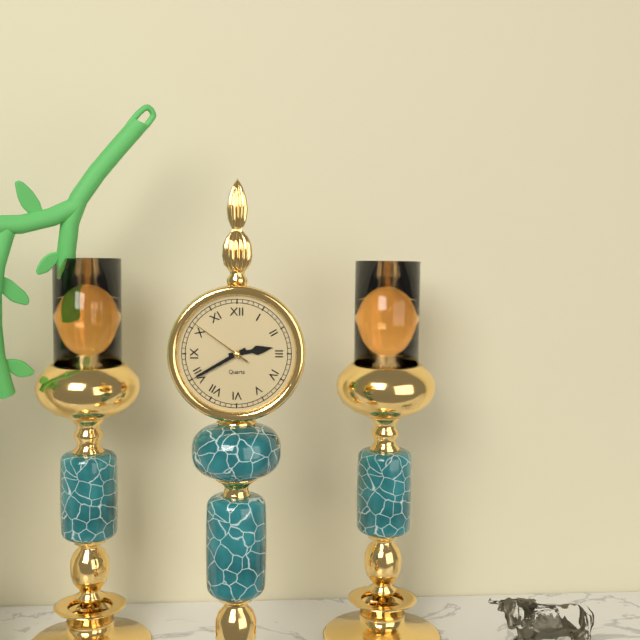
2:40:51
